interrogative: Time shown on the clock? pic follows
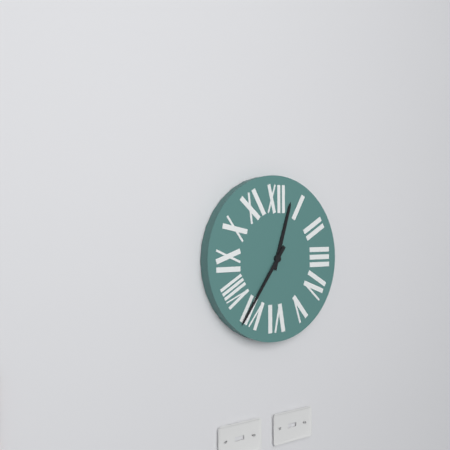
12:36
